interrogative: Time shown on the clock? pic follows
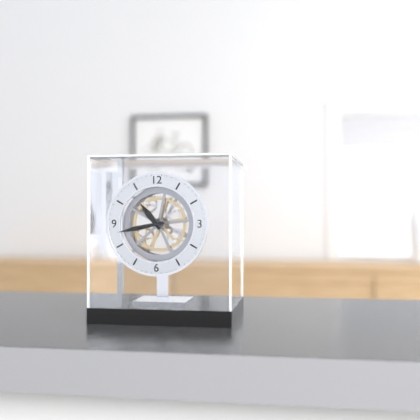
10:43
